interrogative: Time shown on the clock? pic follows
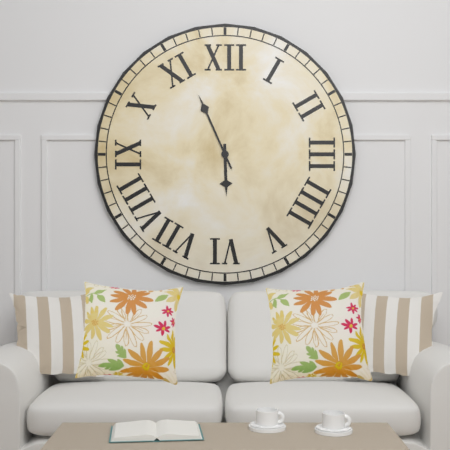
5:56
